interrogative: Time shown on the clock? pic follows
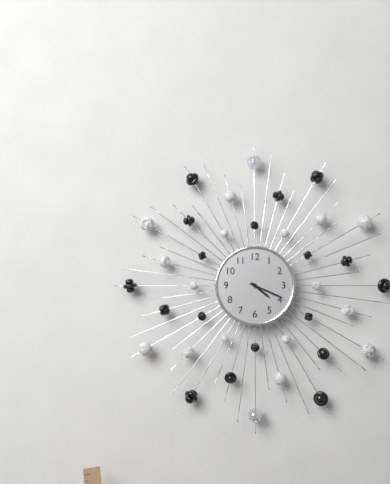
4:19
